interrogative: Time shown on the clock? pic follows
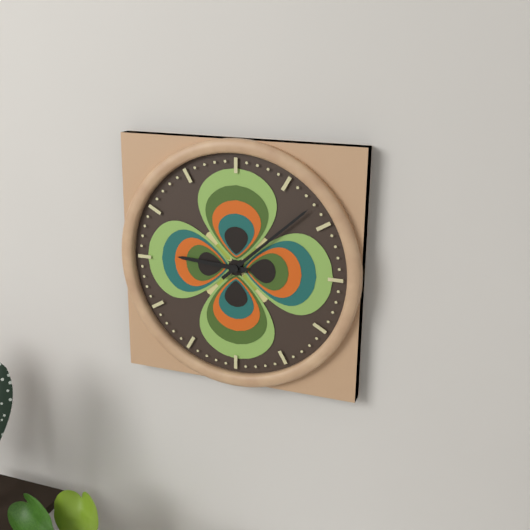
9:08
